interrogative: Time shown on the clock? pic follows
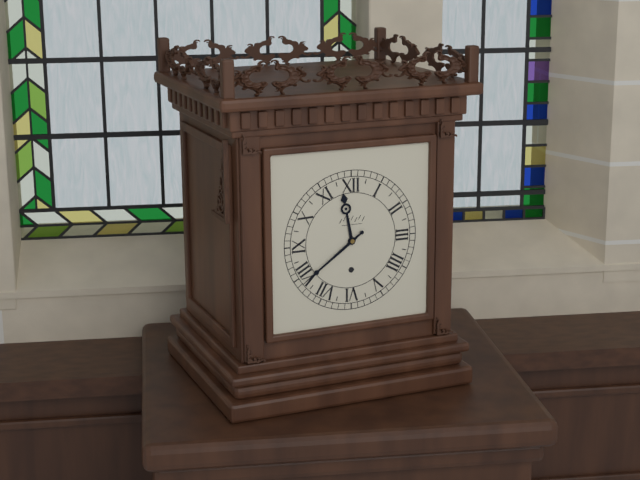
11:39
